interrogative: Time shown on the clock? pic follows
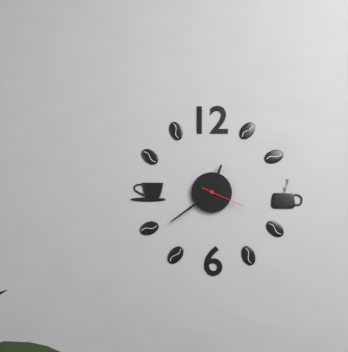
12:39
